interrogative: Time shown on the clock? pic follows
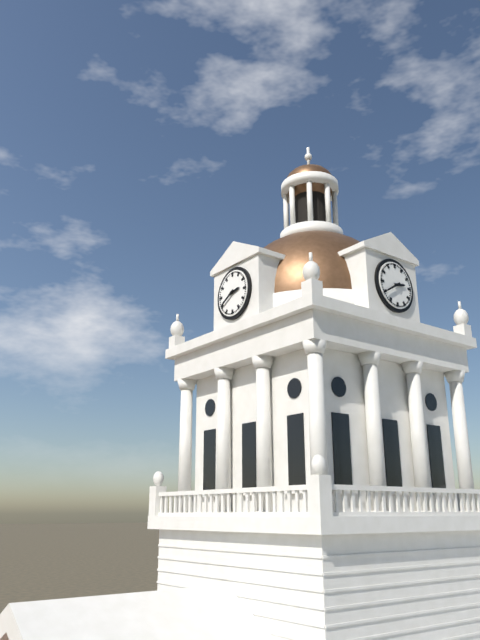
2:40
